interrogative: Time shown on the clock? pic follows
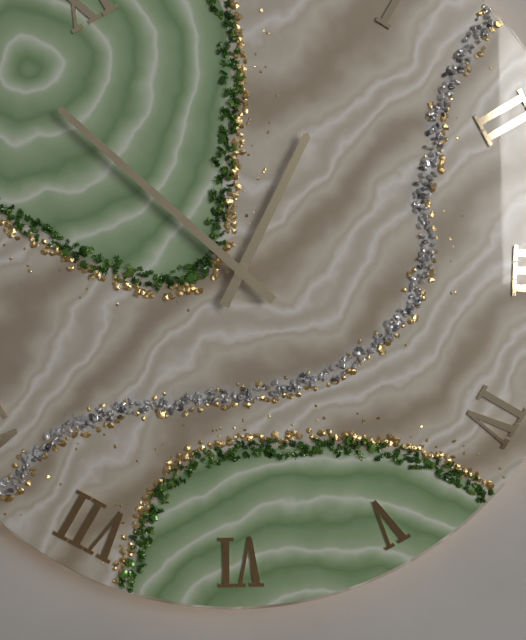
12:52
